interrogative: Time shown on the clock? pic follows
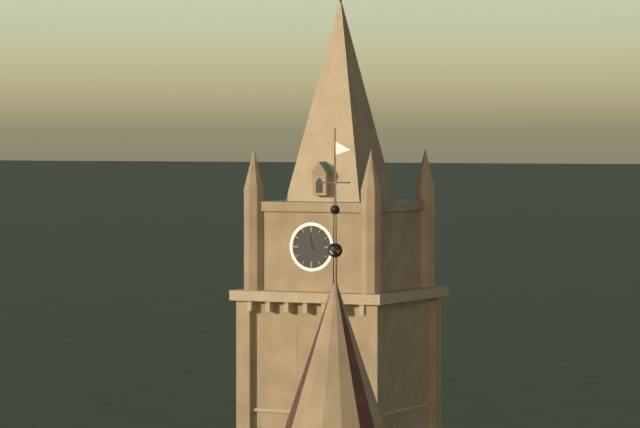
11:47
